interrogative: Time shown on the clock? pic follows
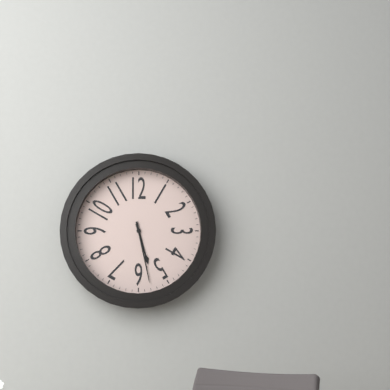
5:28
